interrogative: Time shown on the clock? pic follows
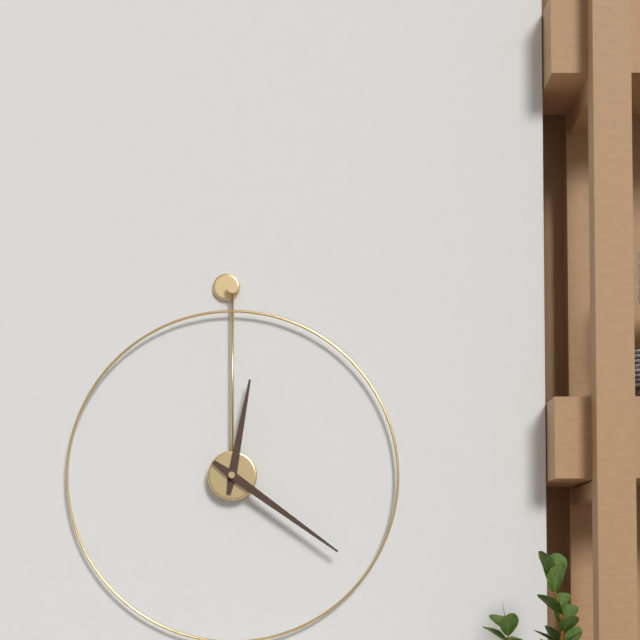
12:21
